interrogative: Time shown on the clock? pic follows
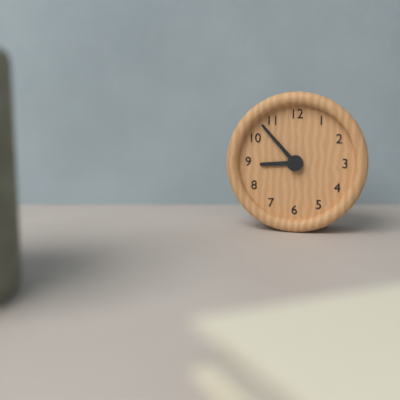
8:53
